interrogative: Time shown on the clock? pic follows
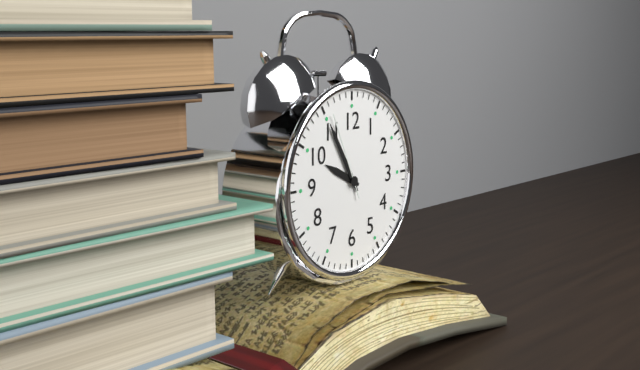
9:55:56
